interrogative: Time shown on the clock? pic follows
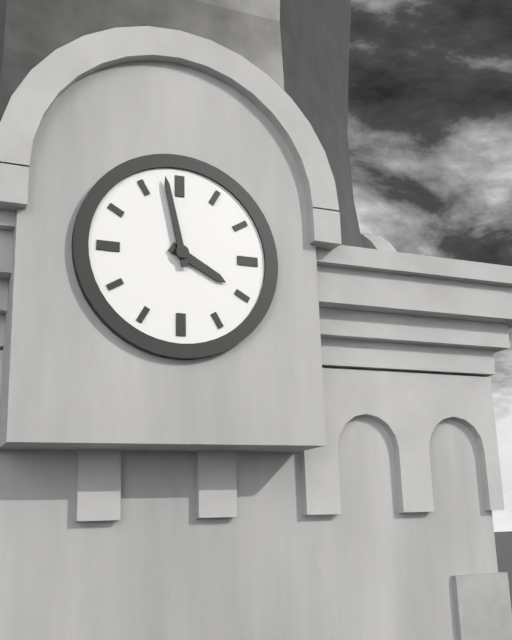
3:58
